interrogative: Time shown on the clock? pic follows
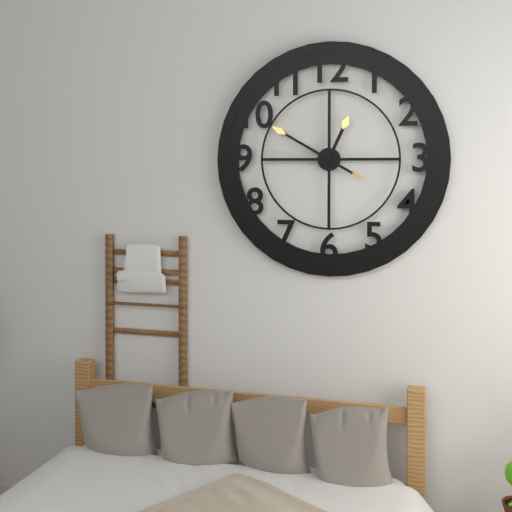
12:50
